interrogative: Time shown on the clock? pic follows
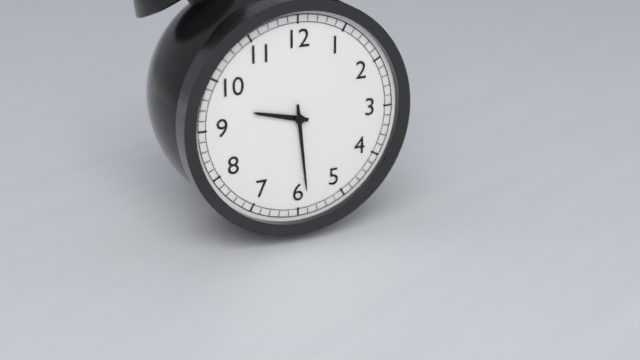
9:29
